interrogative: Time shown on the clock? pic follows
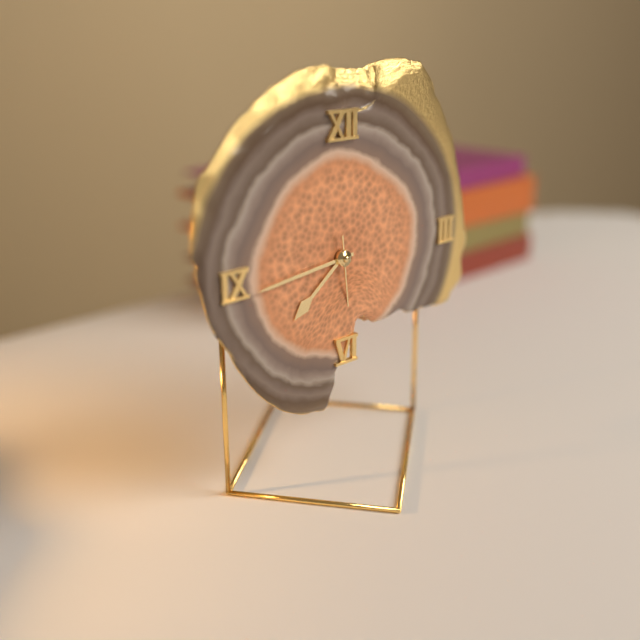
7:44
